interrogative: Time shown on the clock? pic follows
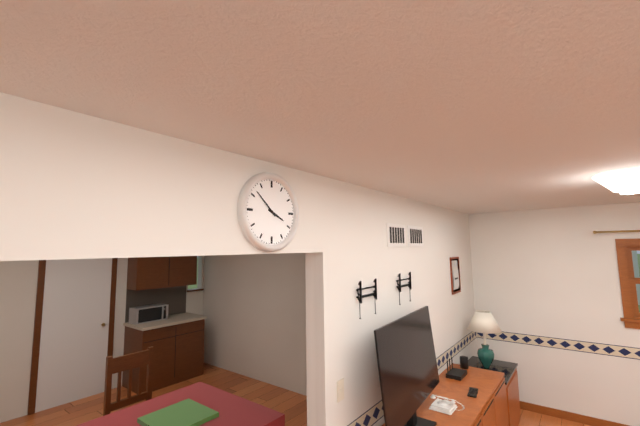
3:52
